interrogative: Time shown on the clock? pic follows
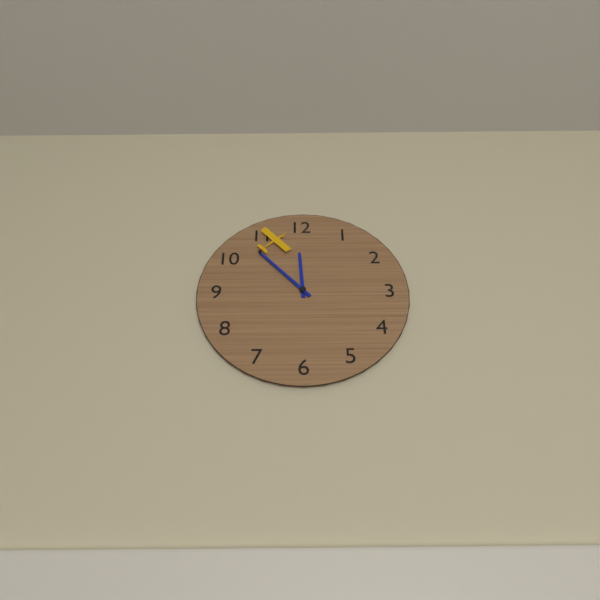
11:53
